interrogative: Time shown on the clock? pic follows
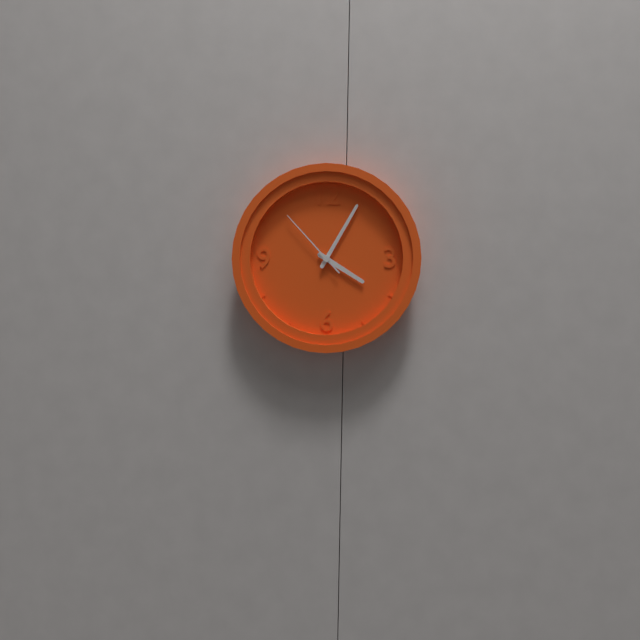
4:05:53
